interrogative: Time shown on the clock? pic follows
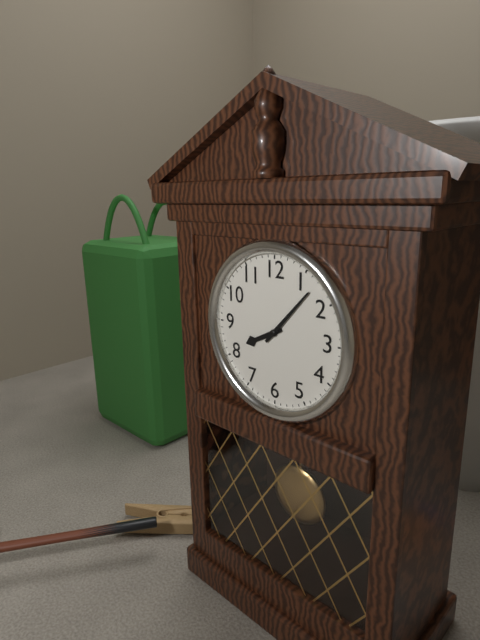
8:07
